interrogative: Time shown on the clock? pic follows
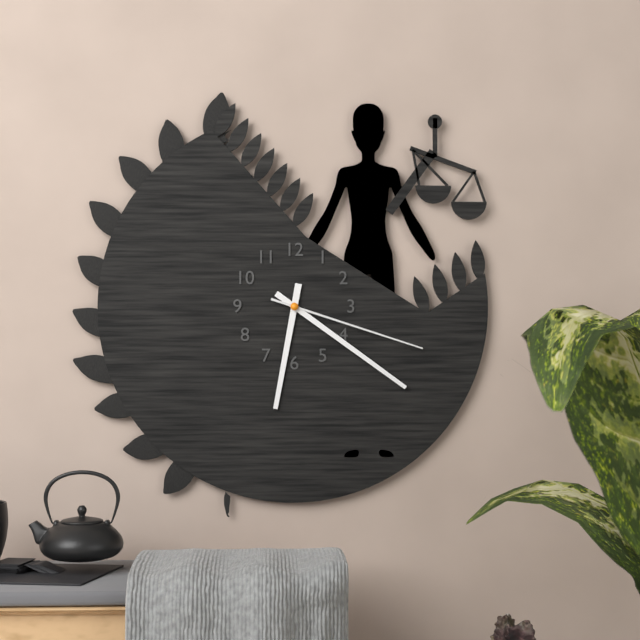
6:21:18
